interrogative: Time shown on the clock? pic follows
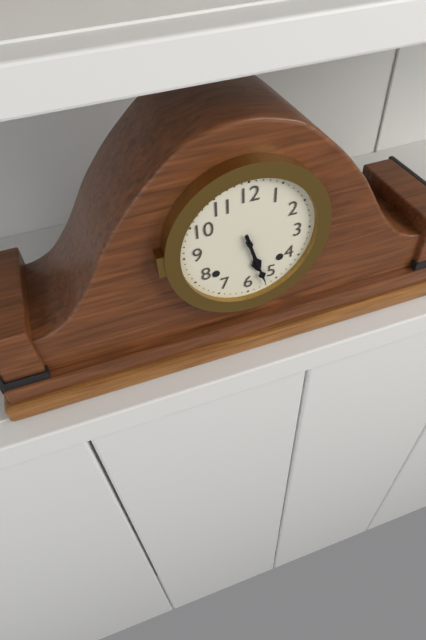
5:27
